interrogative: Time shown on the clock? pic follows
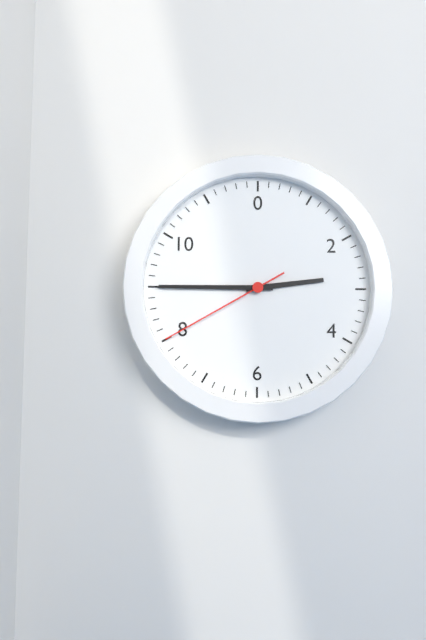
2:45:40
